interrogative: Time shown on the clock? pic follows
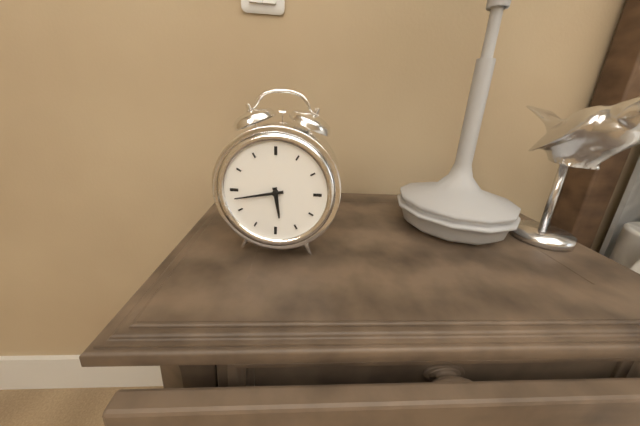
5:43
